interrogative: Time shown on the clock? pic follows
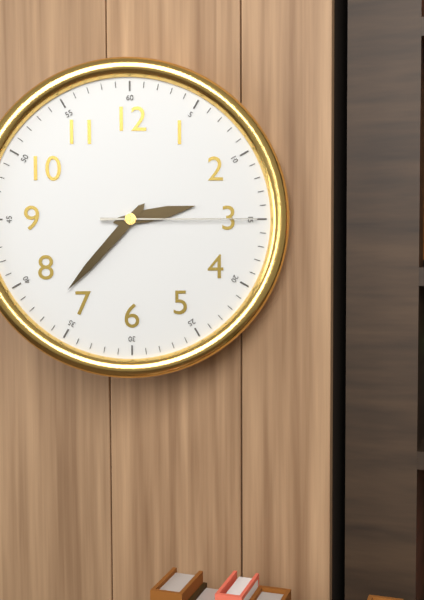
2:37:15
